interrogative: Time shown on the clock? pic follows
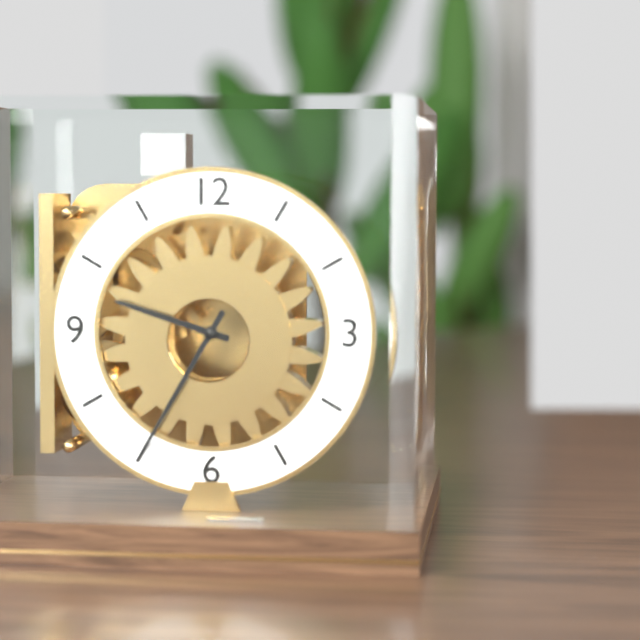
9:35
